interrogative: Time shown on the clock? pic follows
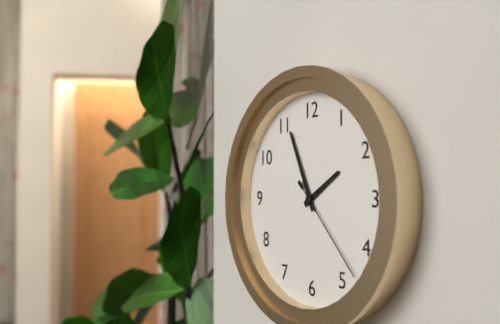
1:56:23
